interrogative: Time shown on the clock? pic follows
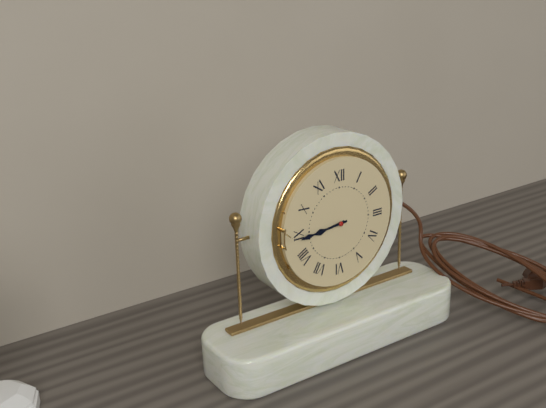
8:44
